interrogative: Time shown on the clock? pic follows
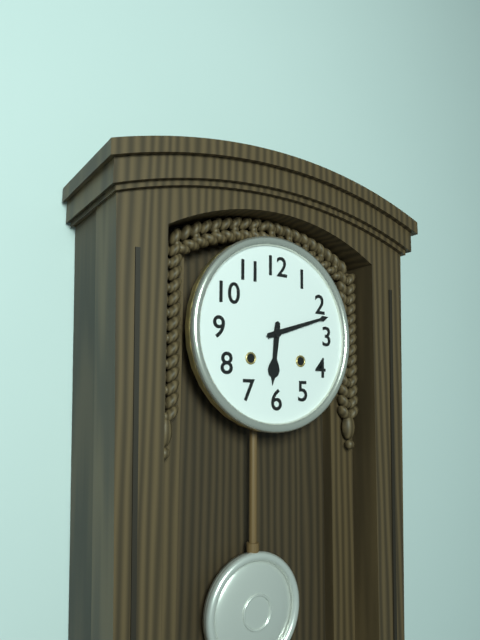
6:12
